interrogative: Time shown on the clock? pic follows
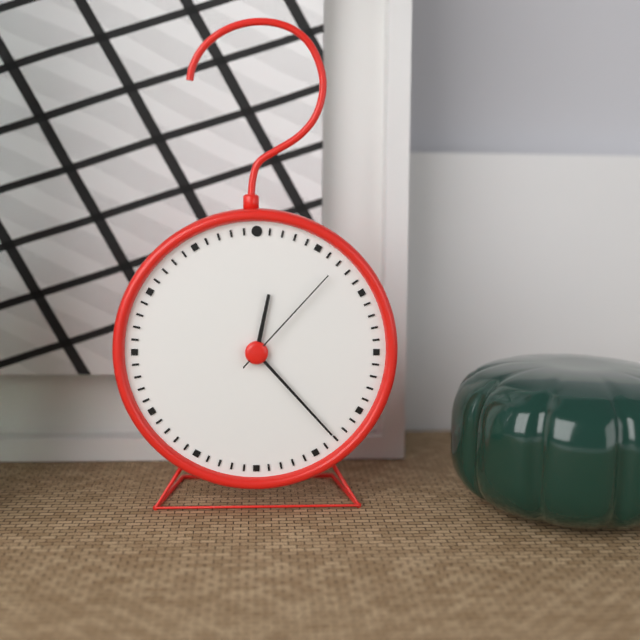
12:23:07
